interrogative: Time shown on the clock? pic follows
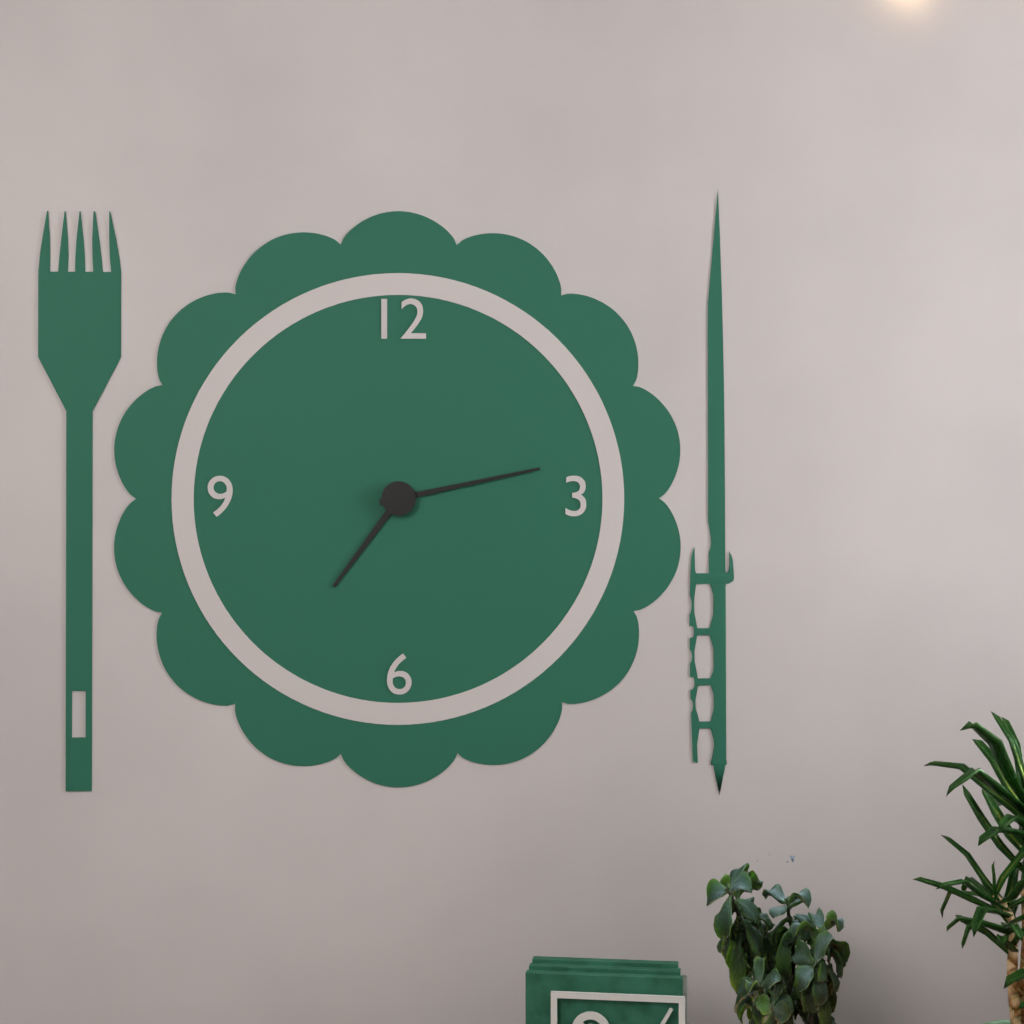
7:13
